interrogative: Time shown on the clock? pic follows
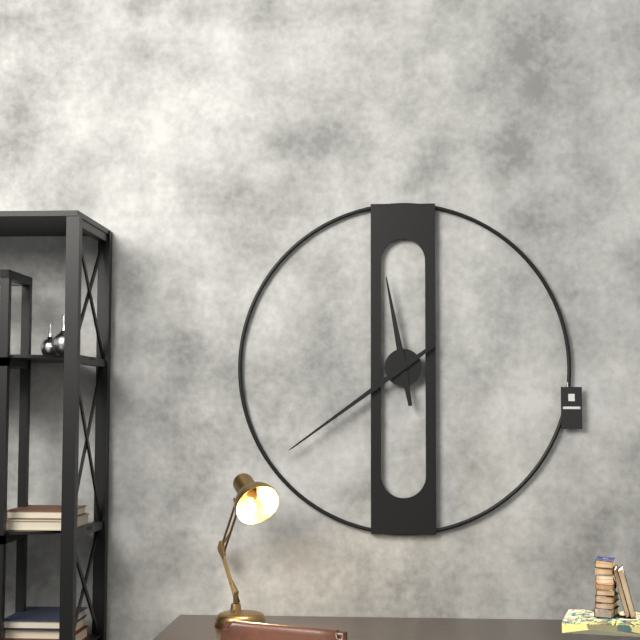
11:39
